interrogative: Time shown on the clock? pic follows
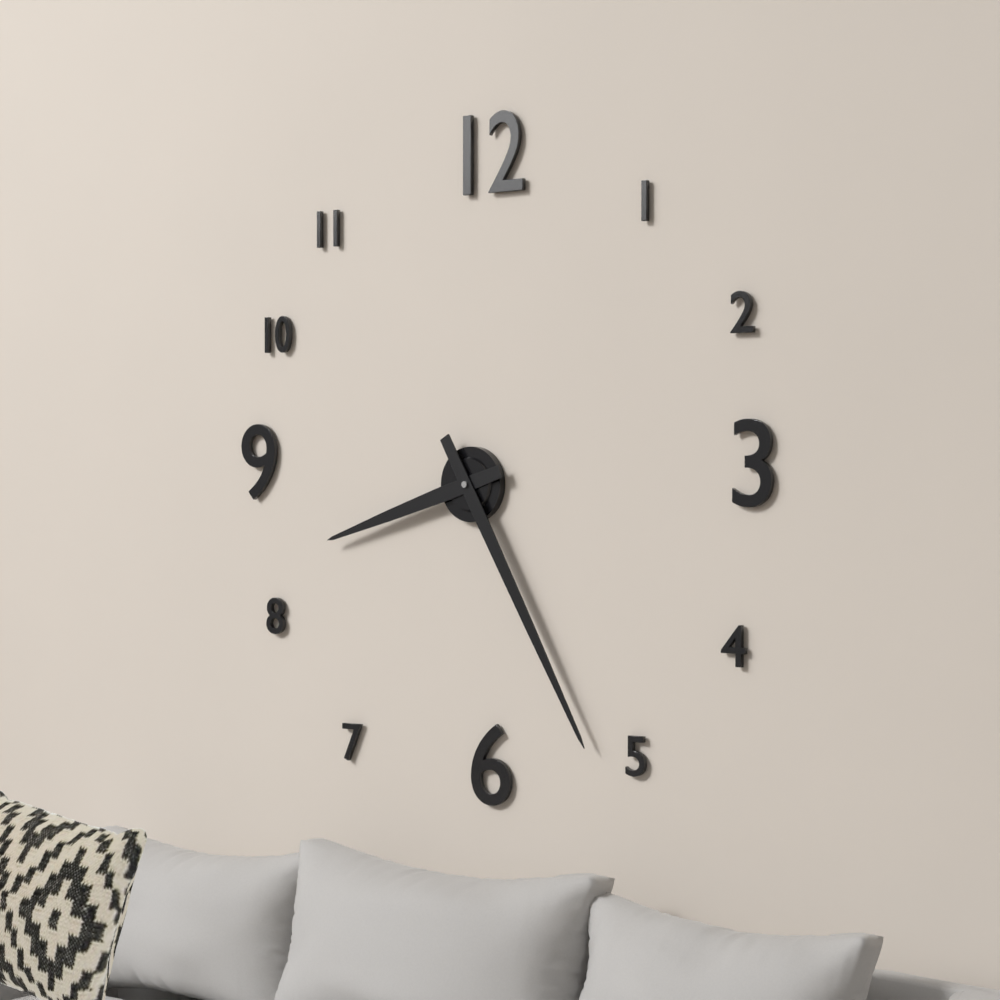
8:25
